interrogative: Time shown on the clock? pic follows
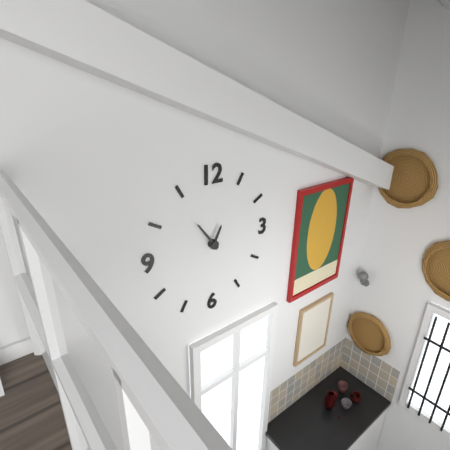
12:54
